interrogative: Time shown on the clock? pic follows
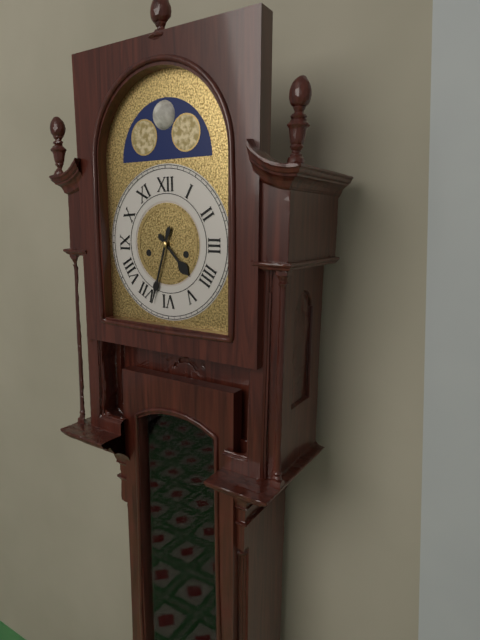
4:33
